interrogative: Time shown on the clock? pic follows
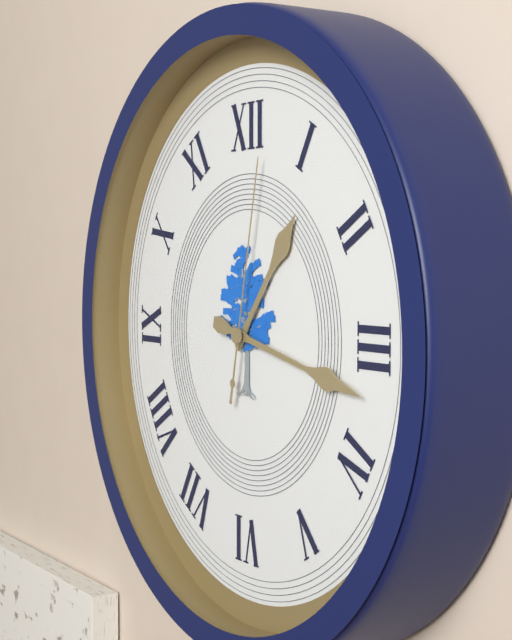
1:17:02
